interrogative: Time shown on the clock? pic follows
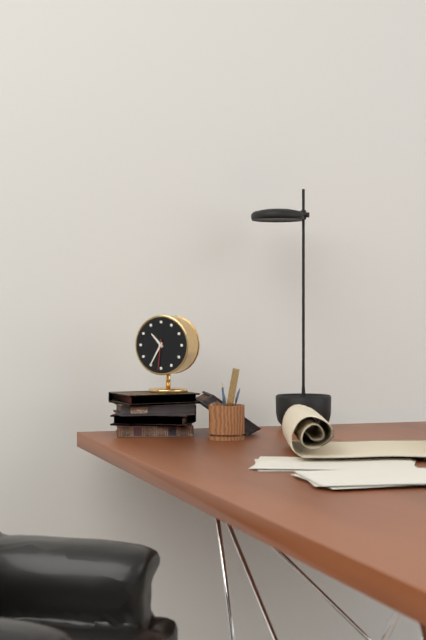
10:35
